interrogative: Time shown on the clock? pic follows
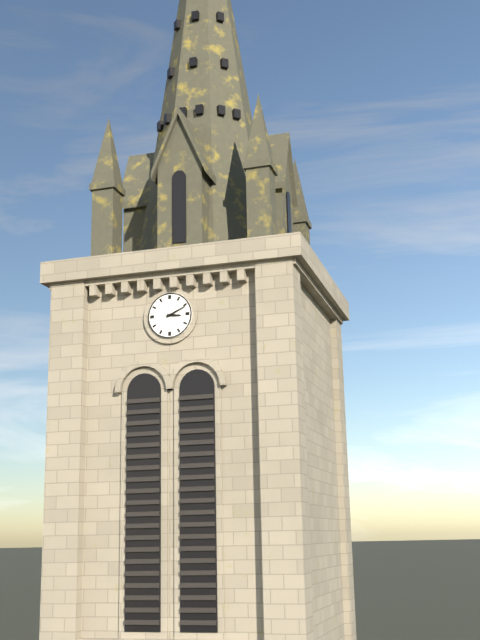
3:11
